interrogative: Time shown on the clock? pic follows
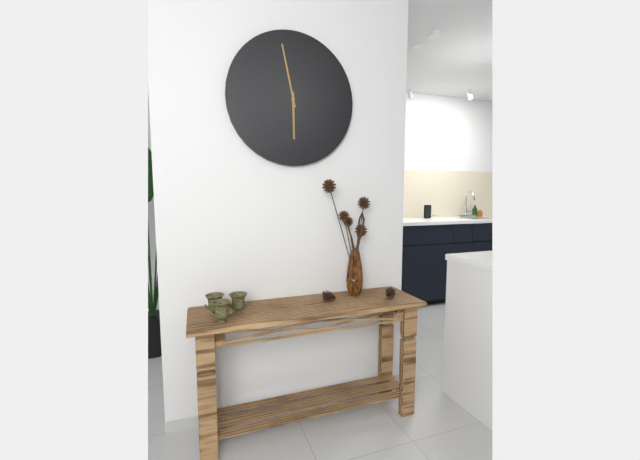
5:58
